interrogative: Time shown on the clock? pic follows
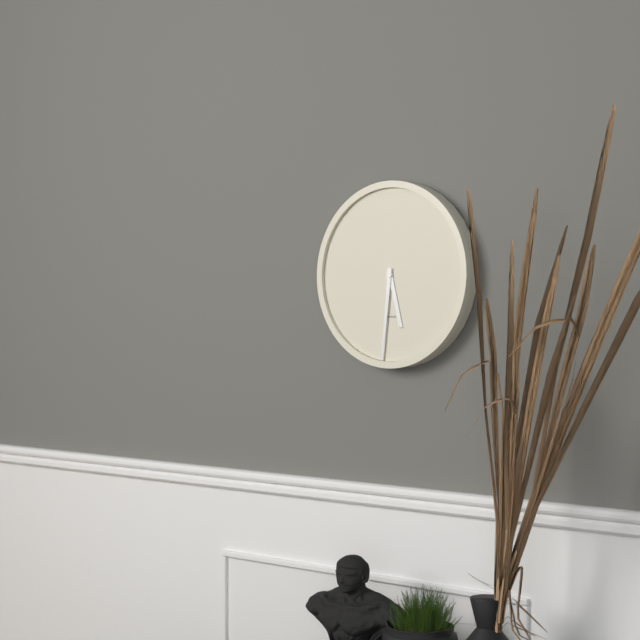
5:31
